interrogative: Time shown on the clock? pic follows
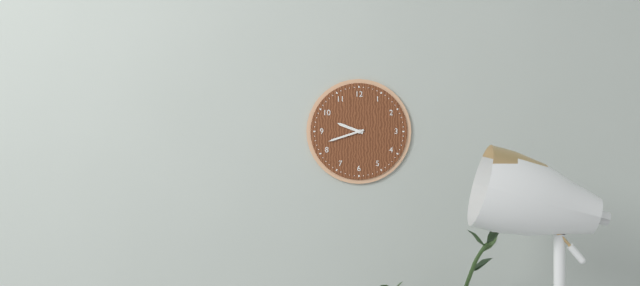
9:42
